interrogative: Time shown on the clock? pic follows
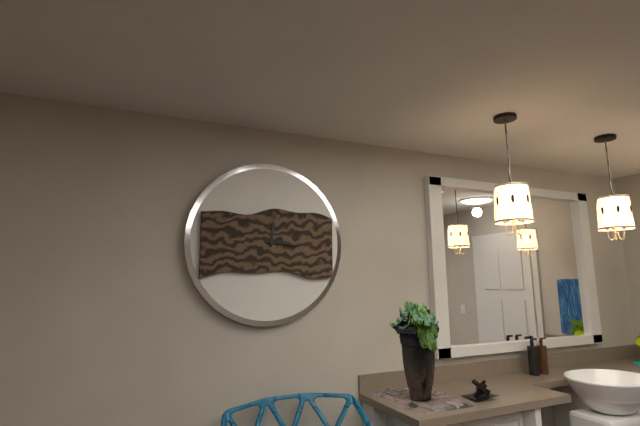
12:16
